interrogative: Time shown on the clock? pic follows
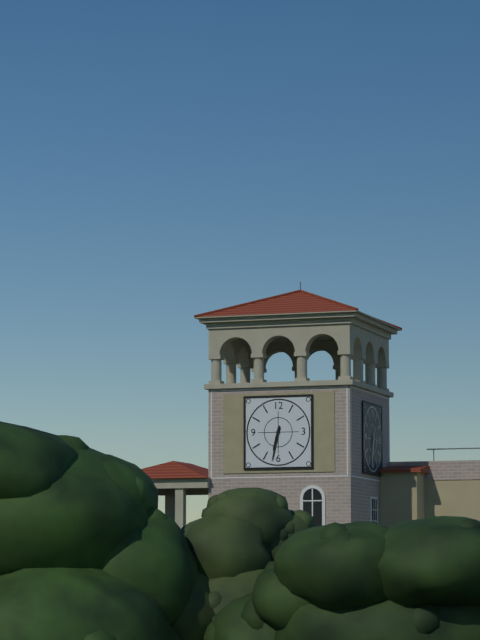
6:32
